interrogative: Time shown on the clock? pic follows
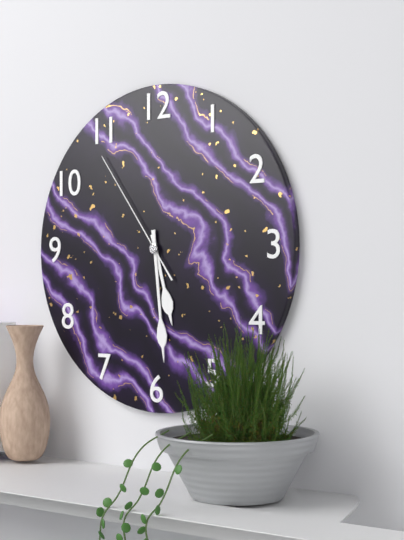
5:29:54
